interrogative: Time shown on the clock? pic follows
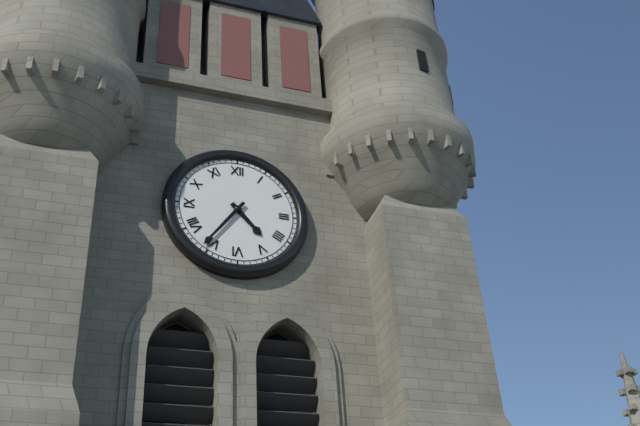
4:36
